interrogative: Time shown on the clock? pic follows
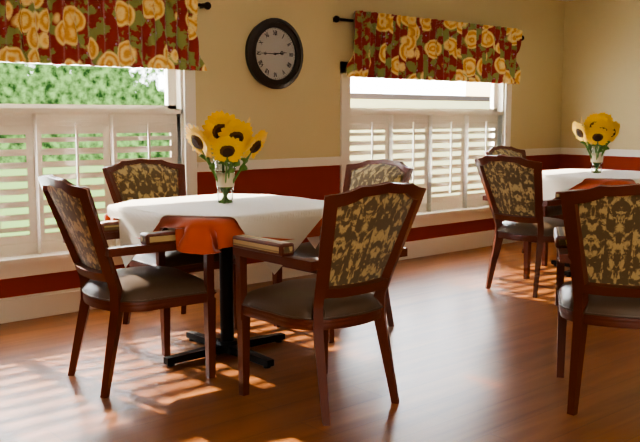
2:45
